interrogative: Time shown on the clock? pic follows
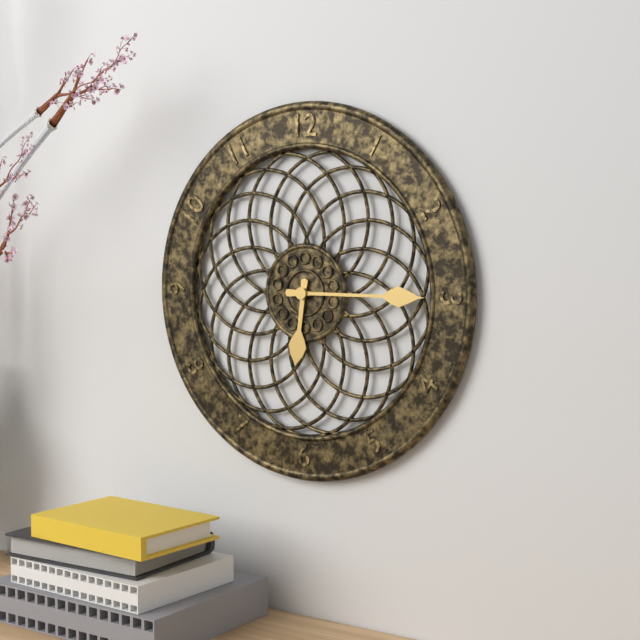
6:15
